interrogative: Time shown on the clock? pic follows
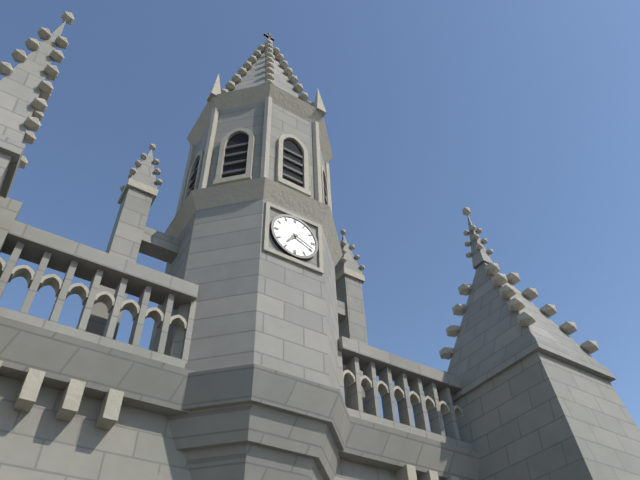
7:19
